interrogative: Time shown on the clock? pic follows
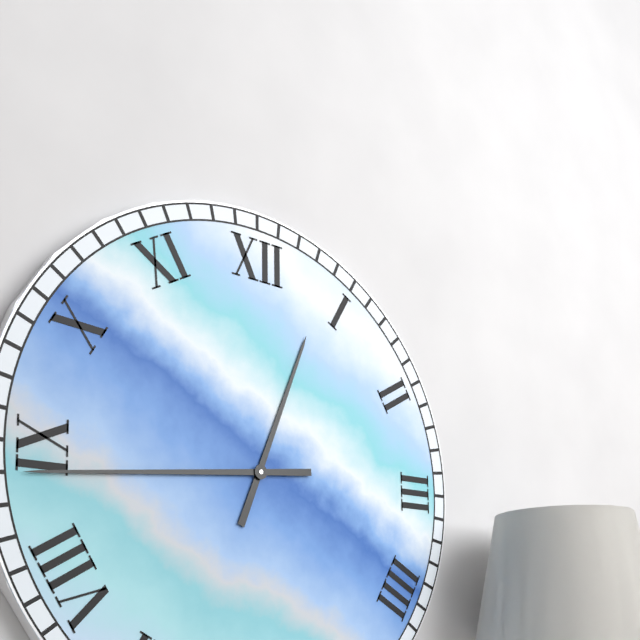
12:44
